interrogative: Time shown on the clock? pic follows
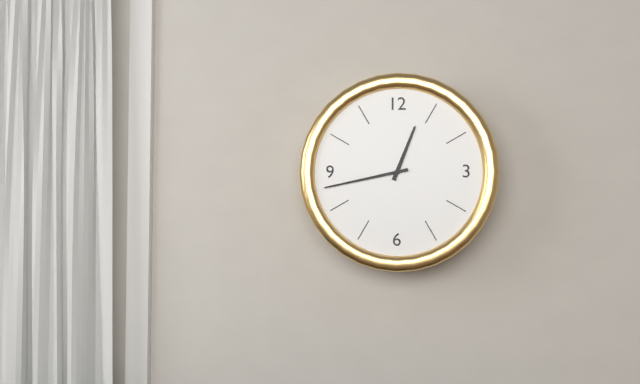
12:43
